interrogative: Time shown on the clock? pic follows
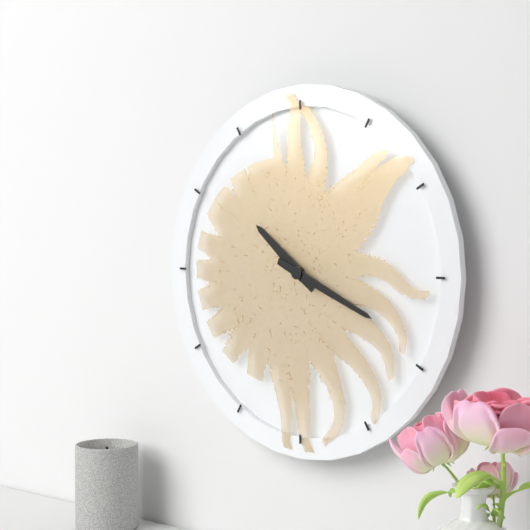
10:19
